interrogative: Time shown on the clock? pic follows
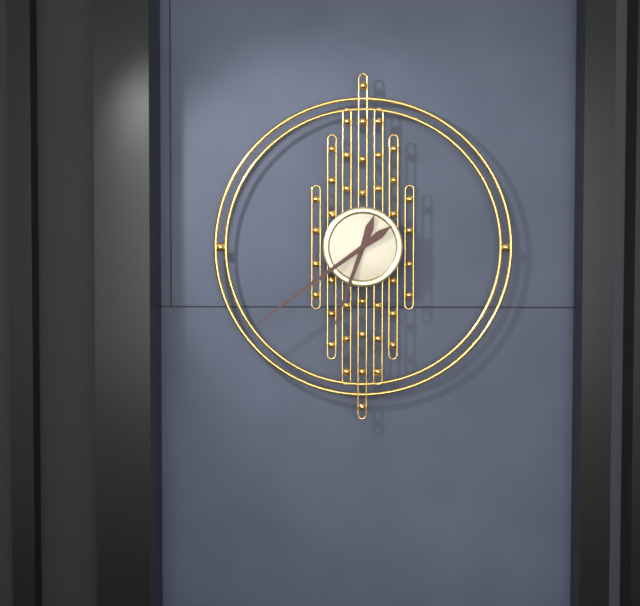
6:39
